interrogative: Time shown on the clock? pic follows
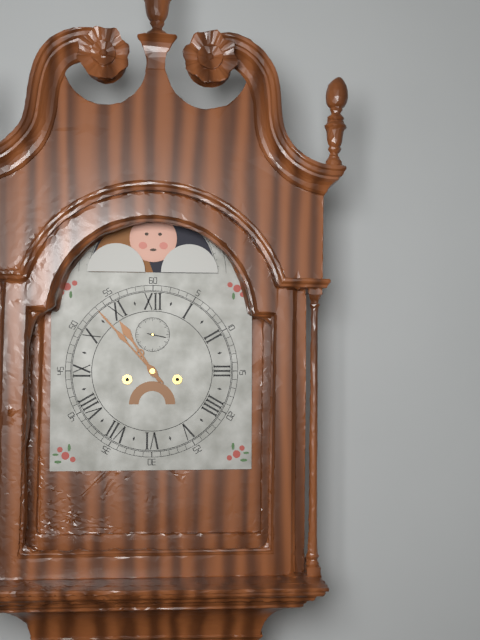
10:53
